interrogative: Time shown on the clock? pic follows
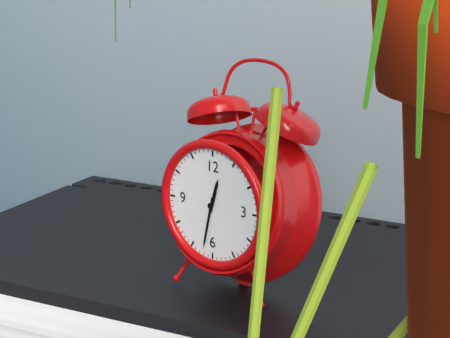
12:32
